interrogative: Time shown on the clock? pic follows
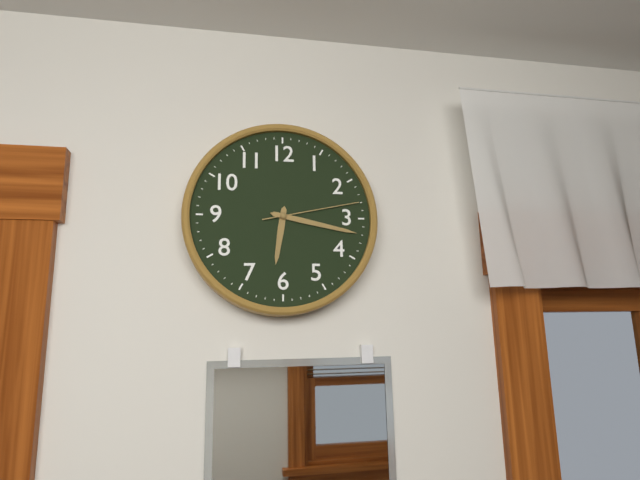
6:17:13
